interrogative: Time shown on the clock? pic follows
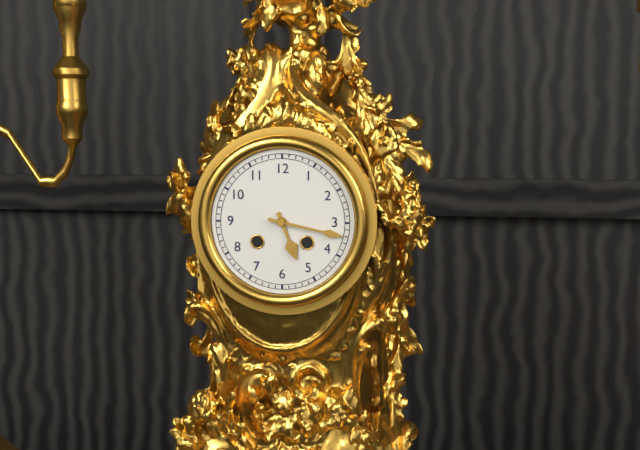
5:17
